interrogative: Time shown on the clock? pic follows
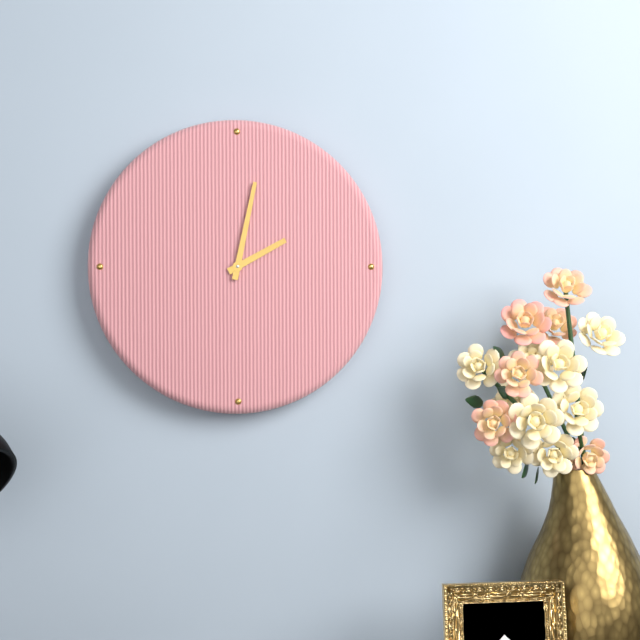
2:02
